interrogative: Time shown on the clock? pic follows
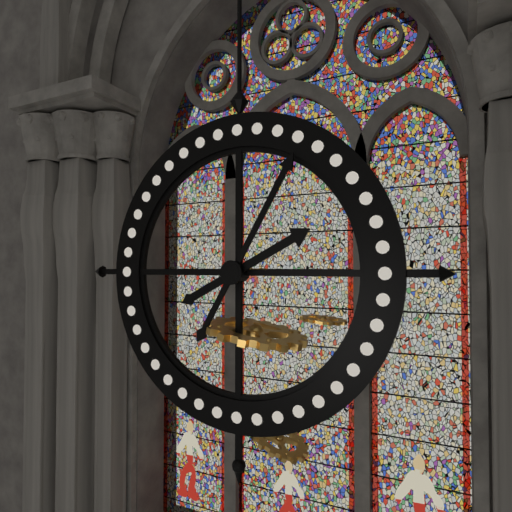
2:05
